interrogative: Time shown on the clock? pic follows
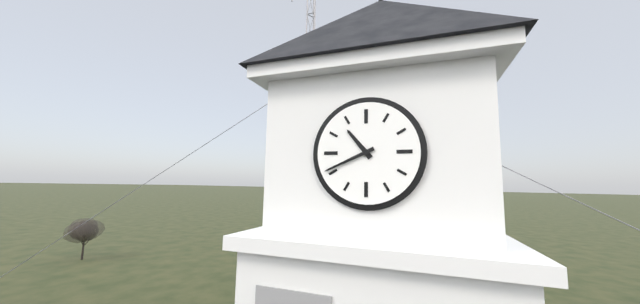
10:41
